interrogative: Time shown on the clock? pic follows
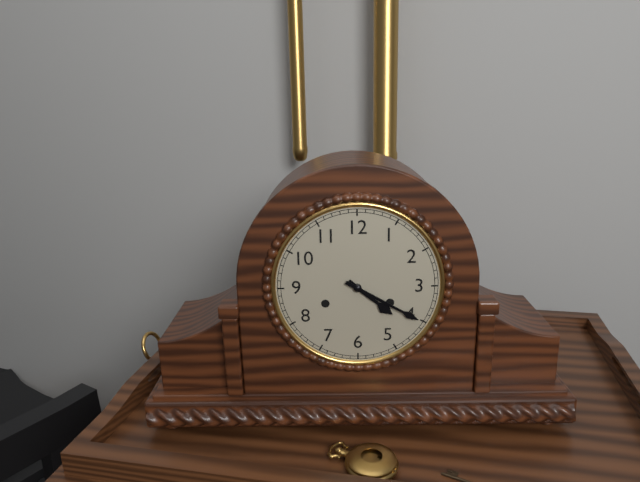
4:20
